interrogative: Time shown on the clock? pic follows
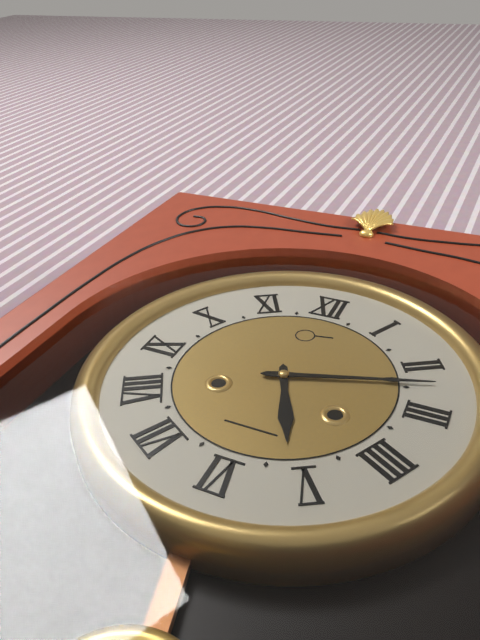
5:12
